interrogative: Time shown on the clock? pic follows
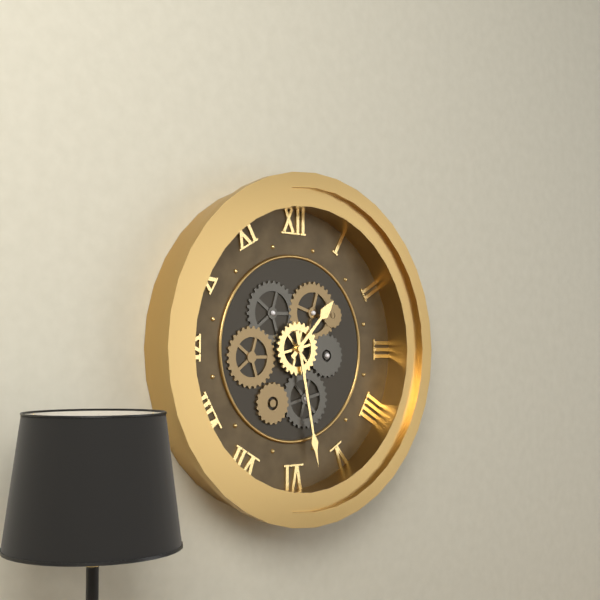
1:28
